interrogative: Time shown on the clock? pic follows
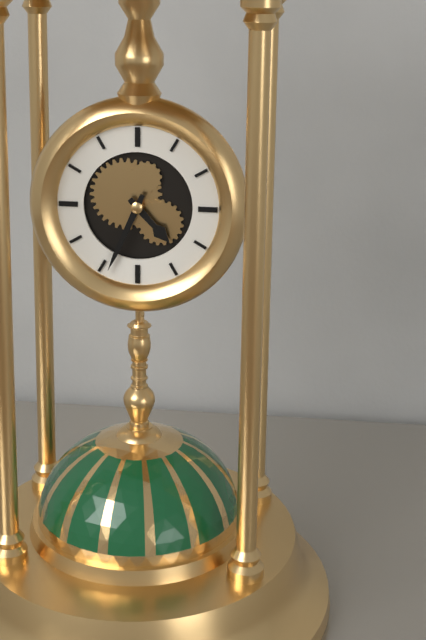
4:34
